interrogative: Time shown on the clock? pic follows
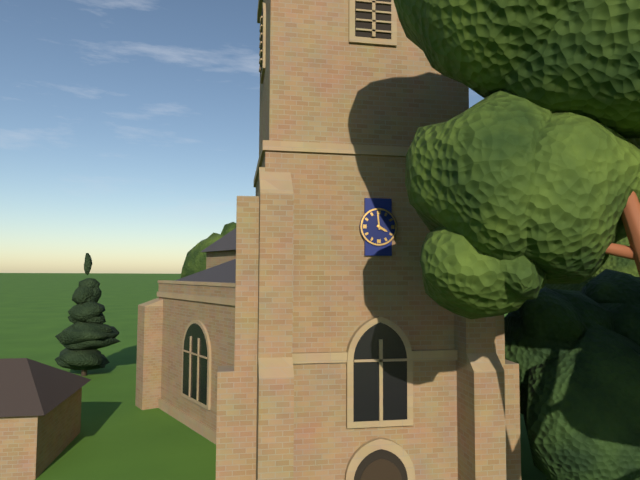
3:59
